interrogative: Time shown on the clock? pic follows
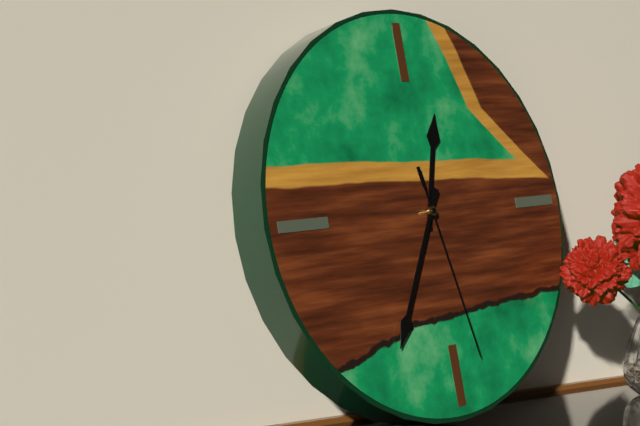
12:35:28
